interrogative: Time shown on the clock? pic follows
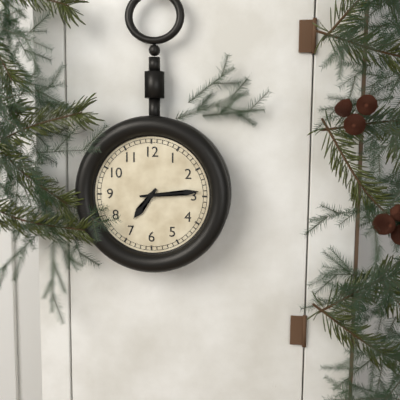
7:14
